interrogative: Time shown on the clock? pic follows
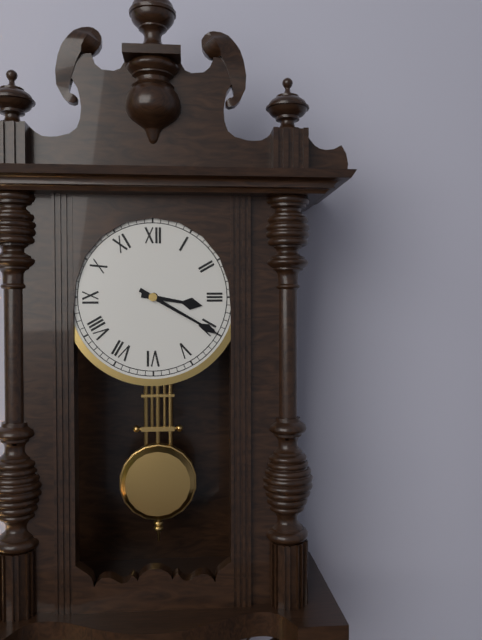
3:20
